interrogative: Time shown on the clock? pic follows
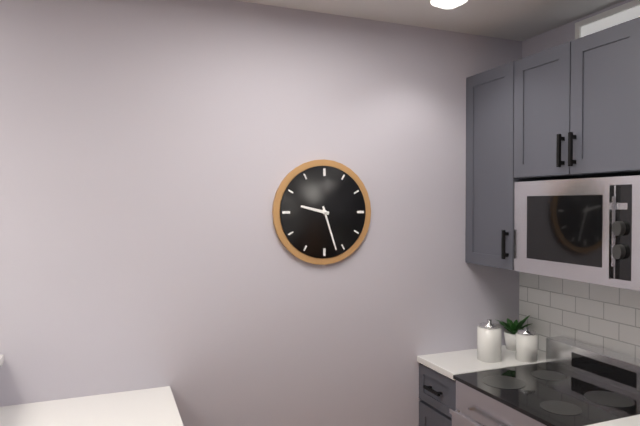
9:27
